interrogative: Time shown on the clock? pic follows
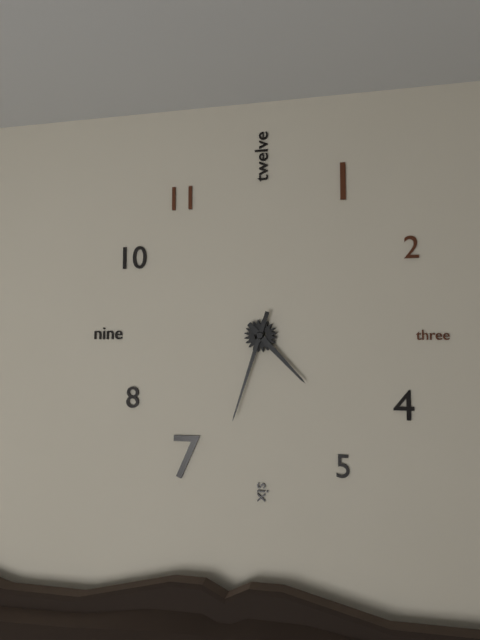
4:33
